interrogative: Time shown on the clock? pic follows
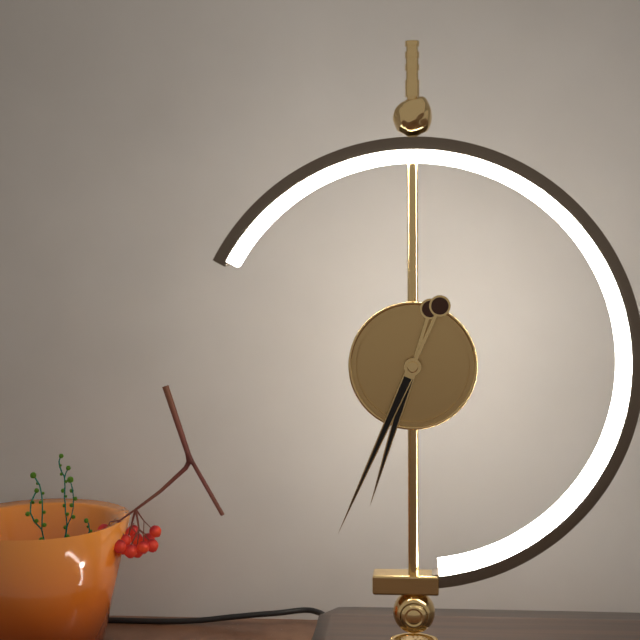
6:34
